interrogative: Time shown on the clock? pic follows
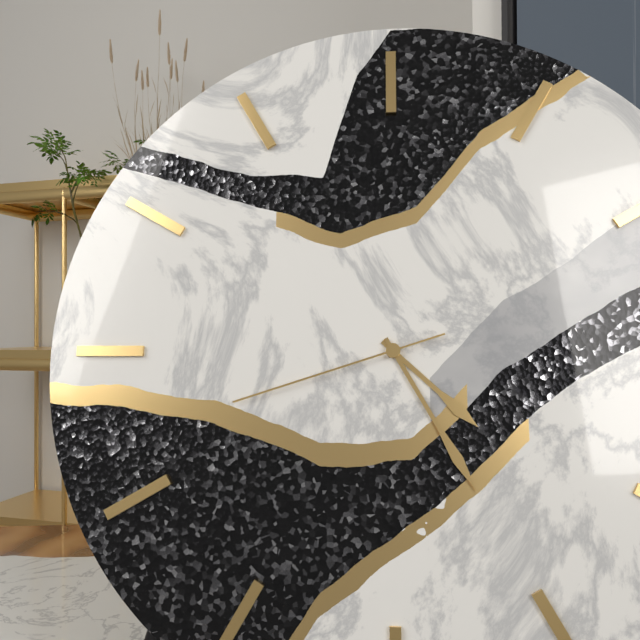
4:25:42
